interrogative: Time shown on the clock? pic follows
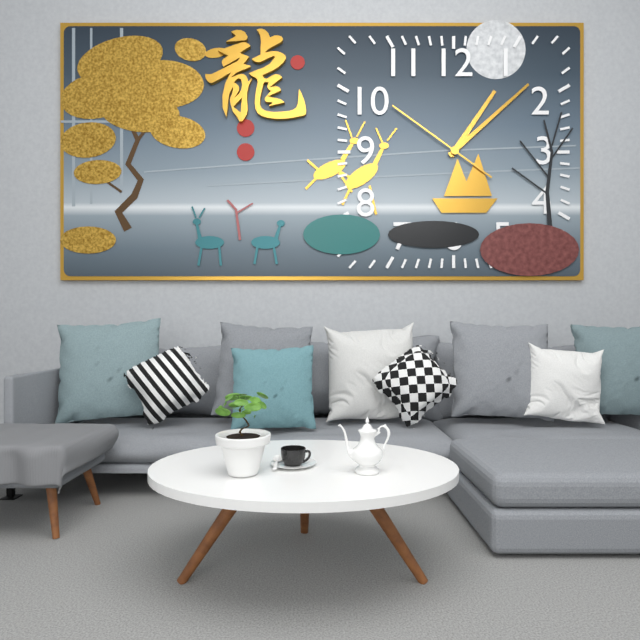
1:08:51
